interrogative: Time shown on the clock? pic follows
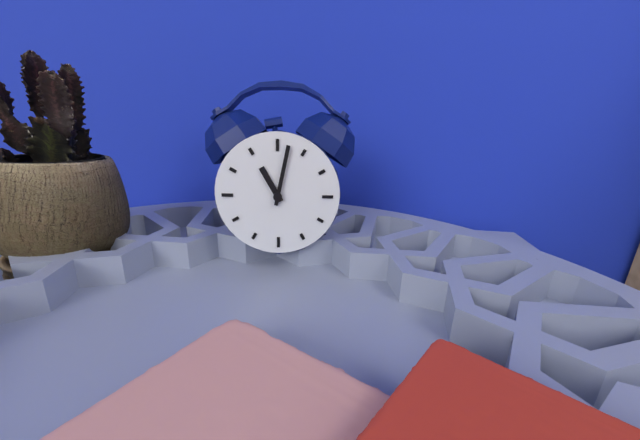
11:02
